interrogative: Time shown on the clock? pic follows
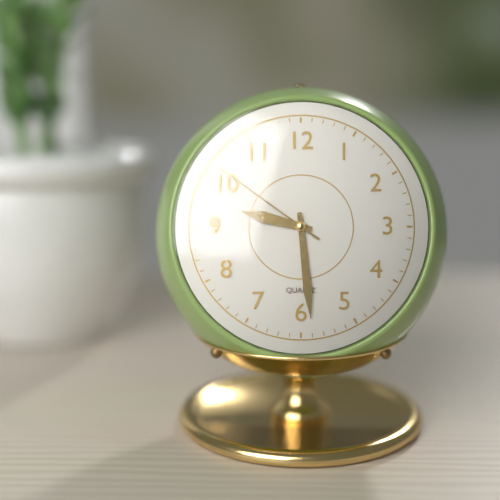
9:29:51
